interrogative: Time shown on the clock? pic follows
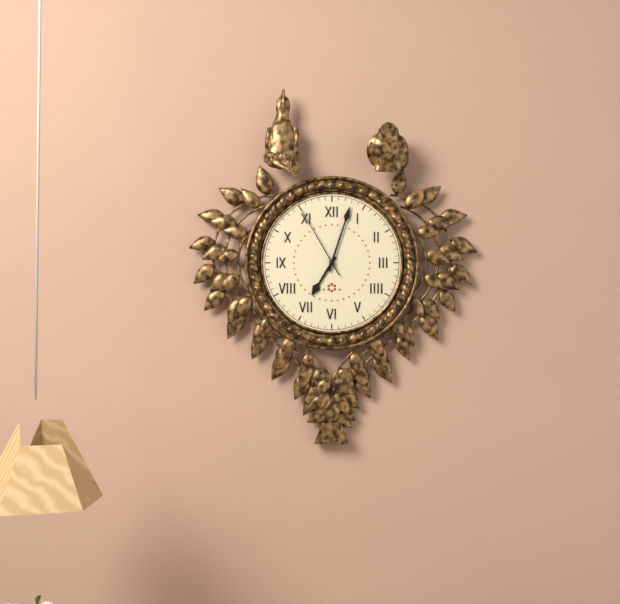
7:03:55
